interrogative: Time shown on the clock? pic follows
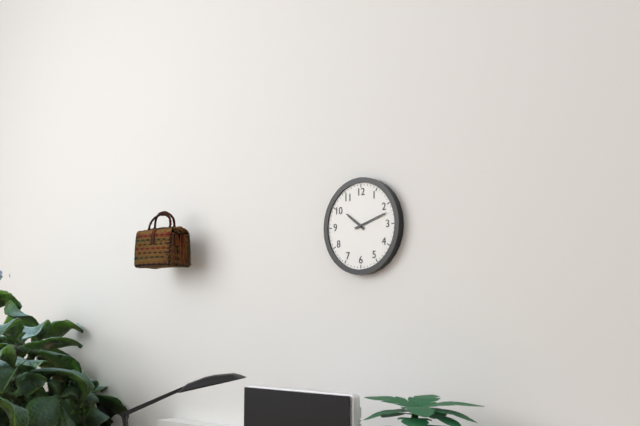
10:12
